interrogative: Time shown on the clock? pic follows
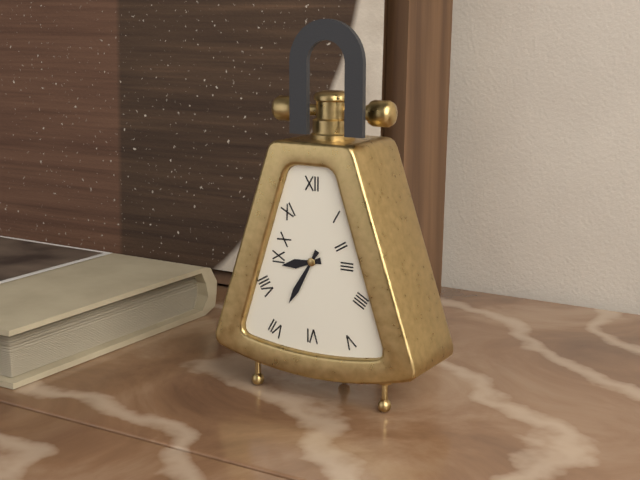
8:35
